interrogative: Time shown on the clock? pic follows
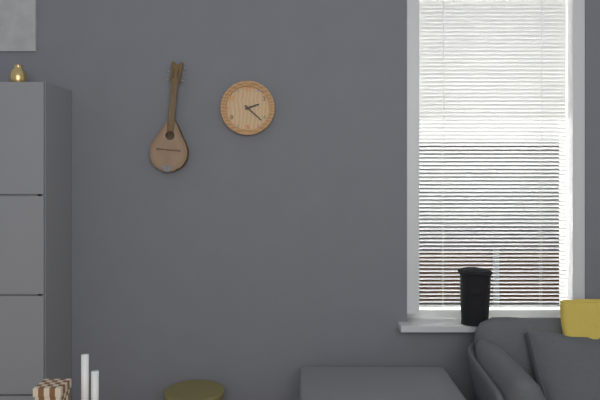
2:22
